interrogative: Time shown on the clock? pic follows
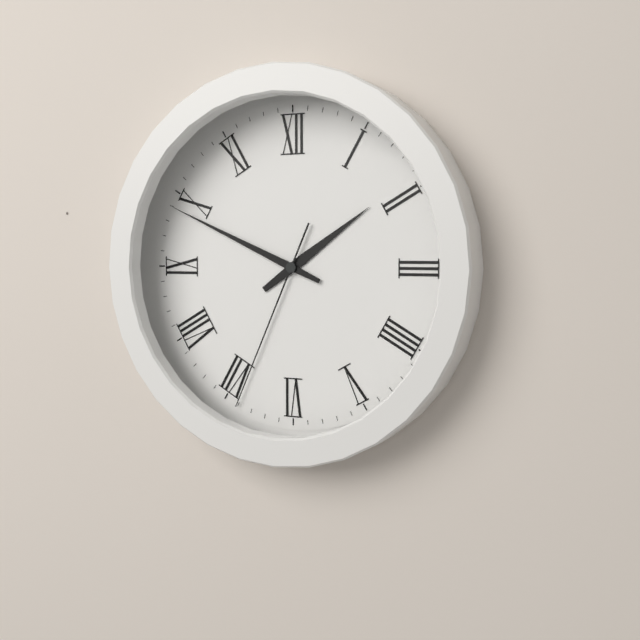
1:49:34
